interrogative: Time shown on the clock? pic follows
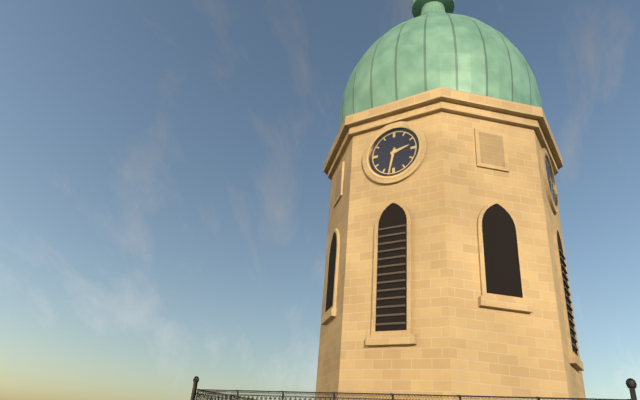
2:32
